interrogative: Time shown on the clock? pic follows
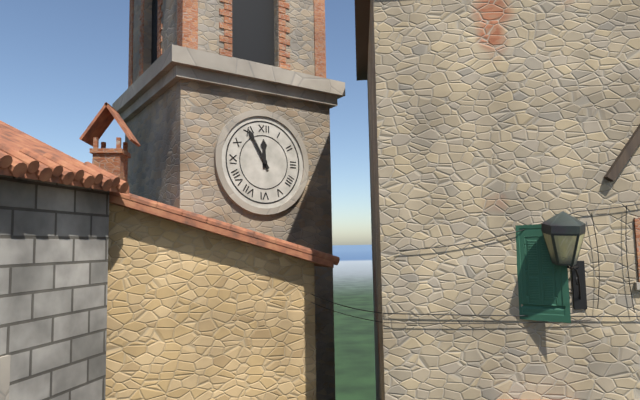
11:55
